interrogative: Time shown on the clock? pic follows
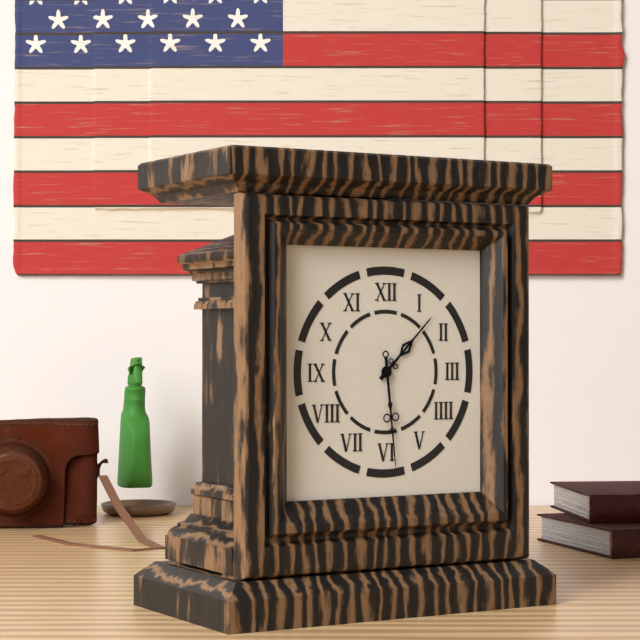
1:29
